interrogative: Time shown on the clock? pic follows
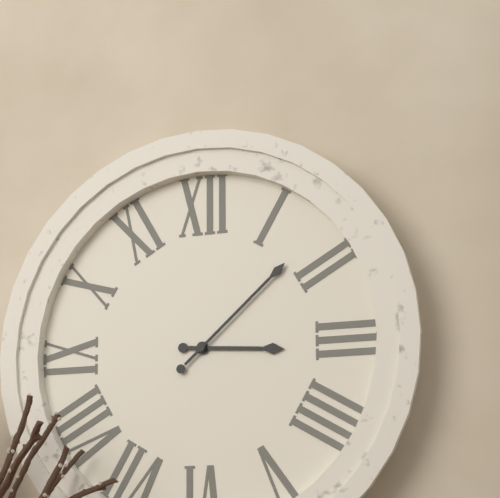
3:08
